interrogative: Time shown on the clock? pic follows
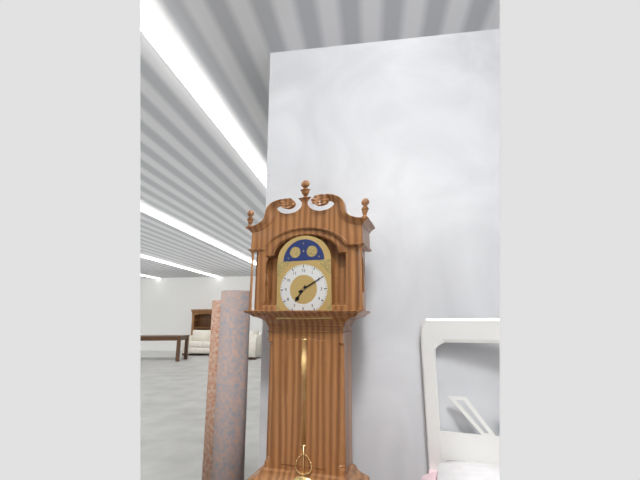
7:10
